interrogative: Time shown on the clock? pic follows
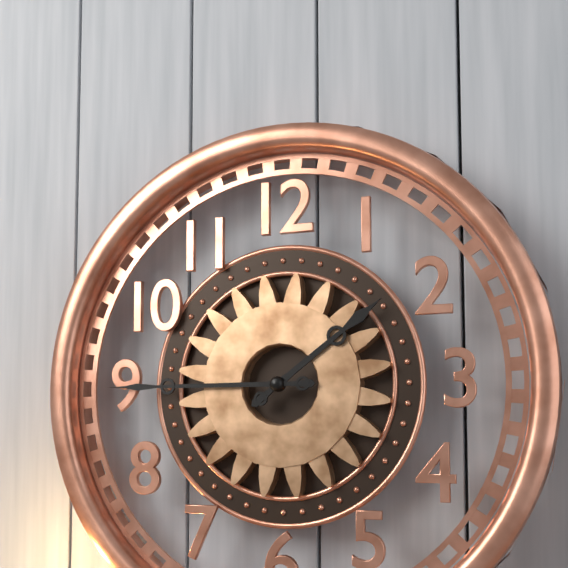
1:45
